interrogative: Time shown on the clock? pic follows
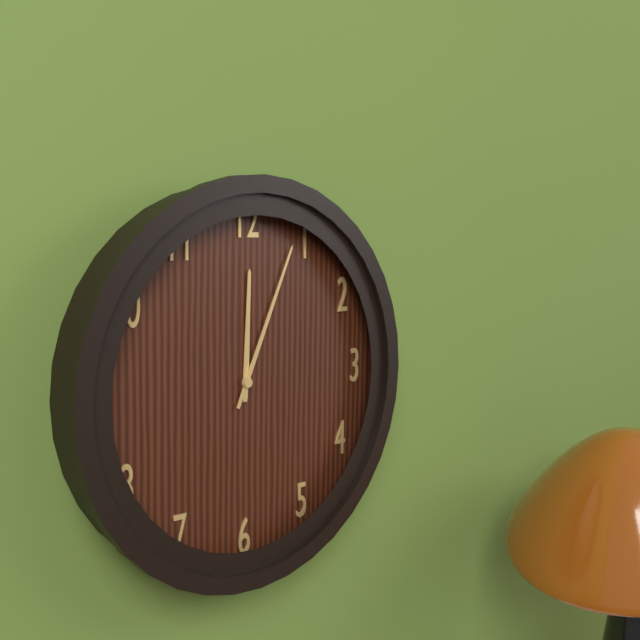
12:04
